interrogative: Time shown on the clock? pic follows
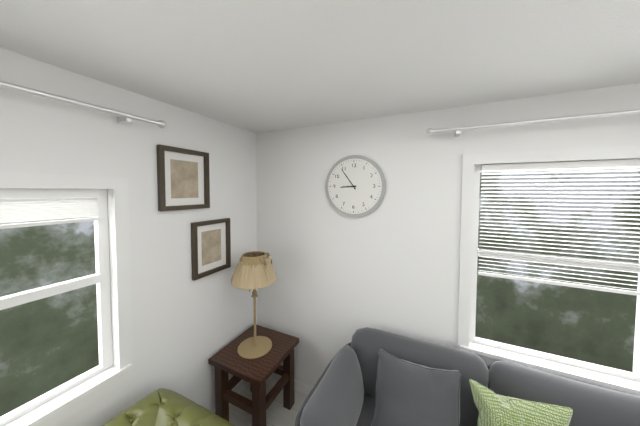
8:54
